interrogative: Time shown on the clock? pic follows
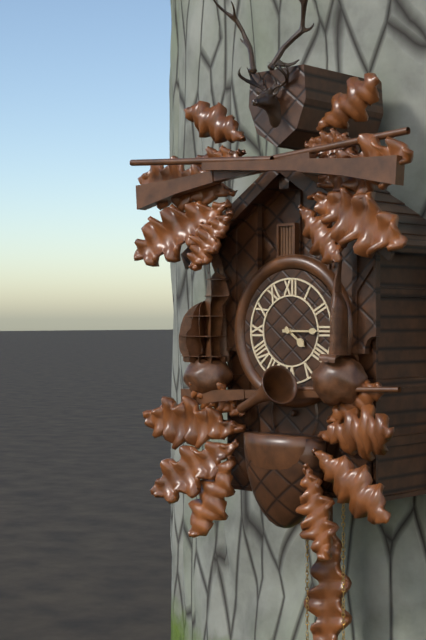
4:15
